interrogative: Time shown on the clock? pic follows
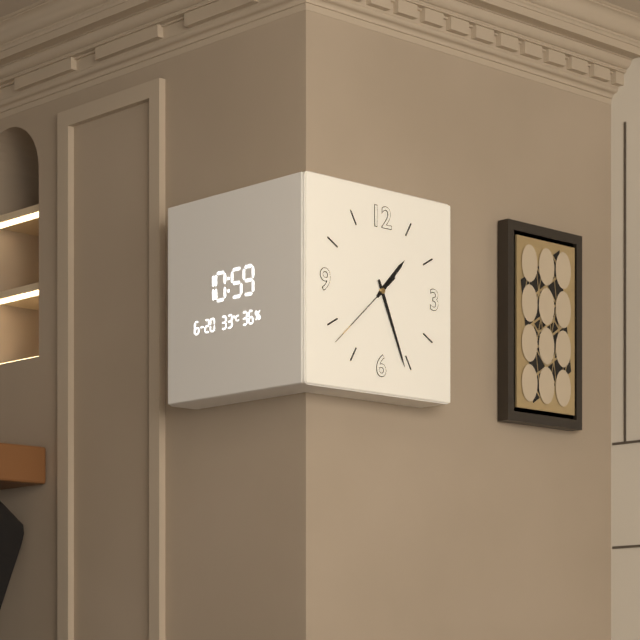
1:26:38
